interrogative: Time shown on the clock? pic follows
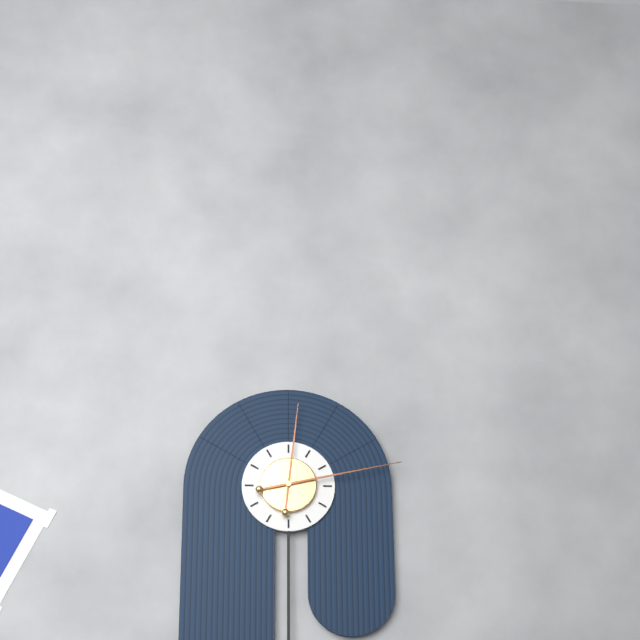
12:13
